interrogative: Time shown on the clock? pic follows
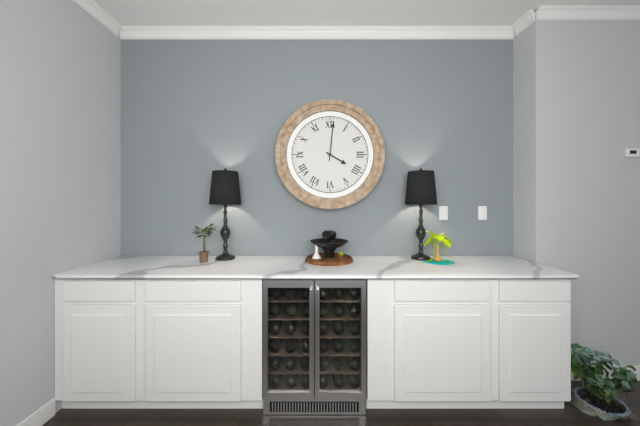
4:01
